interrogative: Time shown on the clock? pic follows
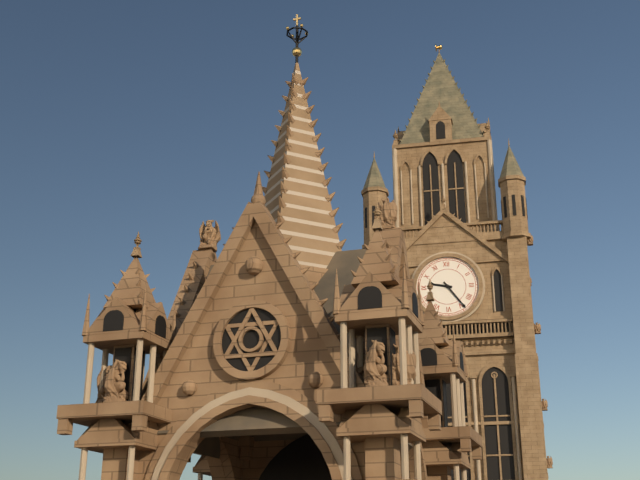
9:24
